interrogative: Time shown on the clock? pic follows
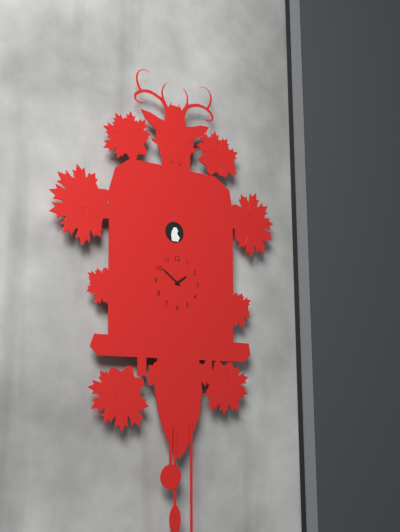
1:51
